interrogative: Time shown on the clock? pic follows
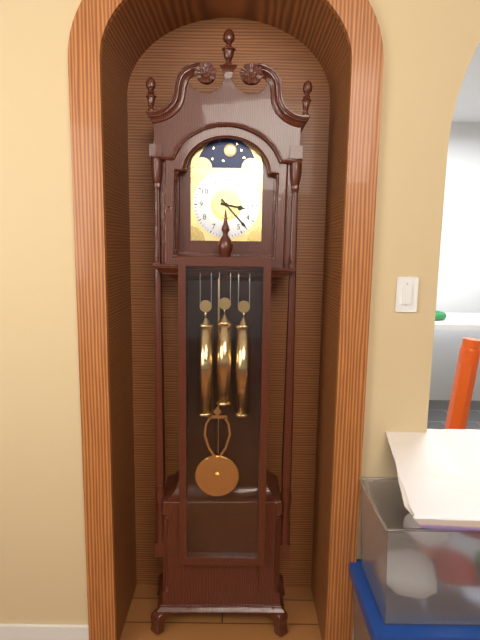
3:23
